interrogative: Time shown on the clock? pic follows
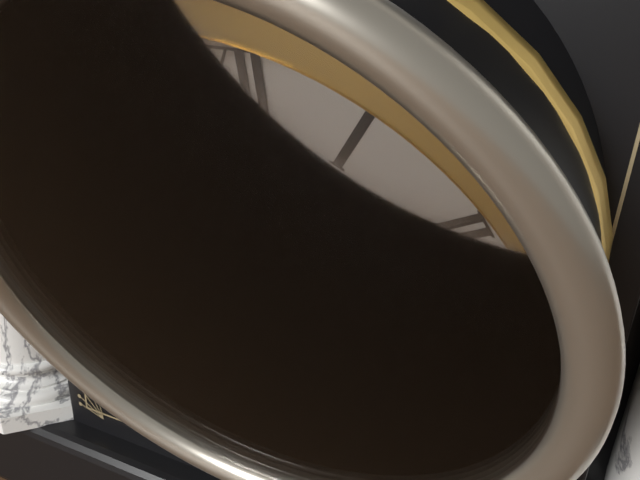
3:15
